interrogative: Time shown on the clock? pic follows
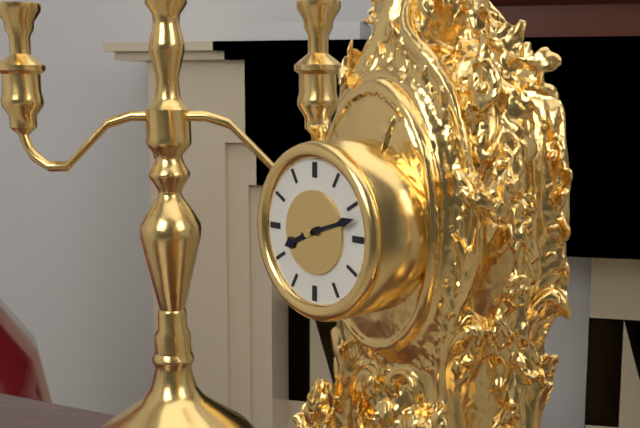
8:12
